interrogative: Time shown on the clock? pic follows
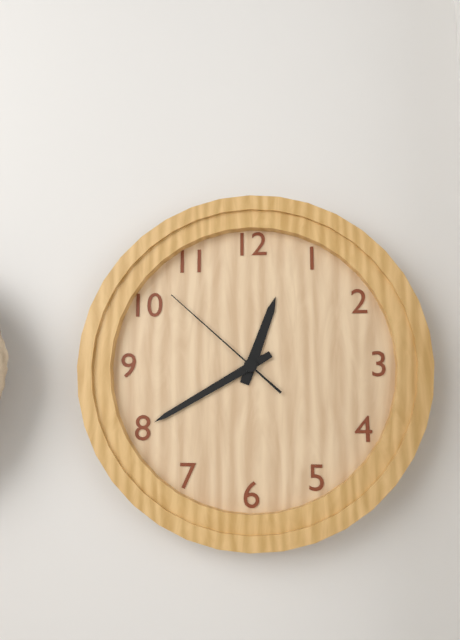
12:40:52
